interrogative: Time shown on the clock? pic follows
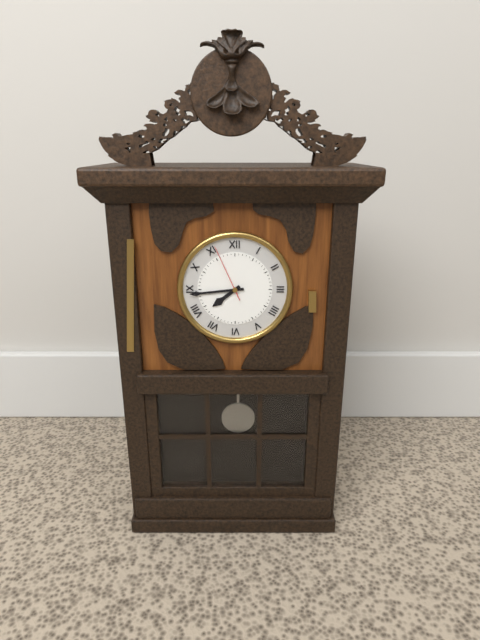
7:44:56
